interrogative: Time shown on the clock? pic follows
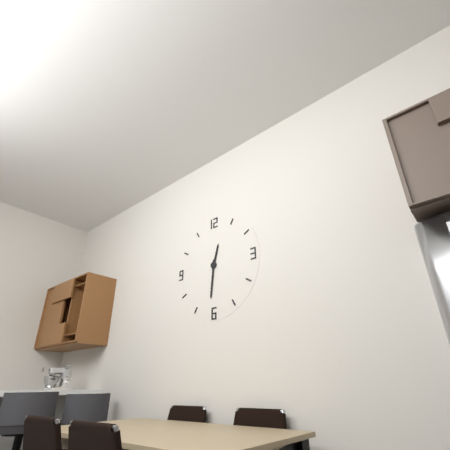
12:31
